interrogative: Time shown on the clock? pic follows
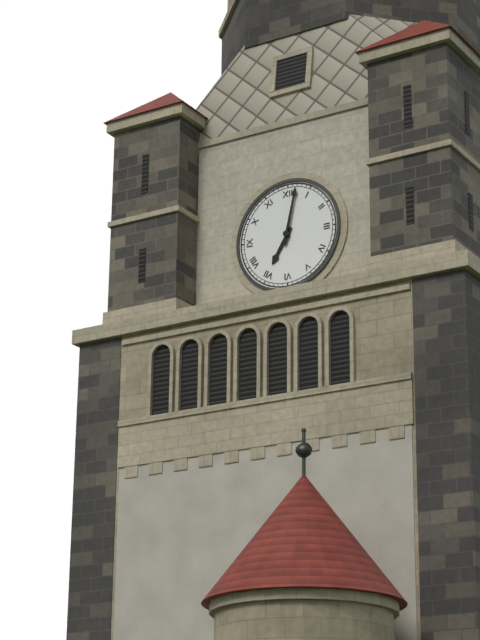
7:02
